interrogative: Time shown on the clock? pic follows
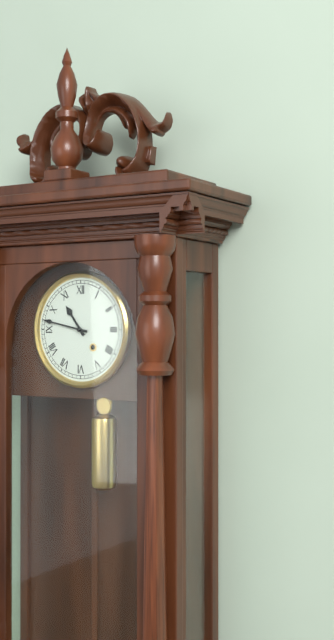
10:47
